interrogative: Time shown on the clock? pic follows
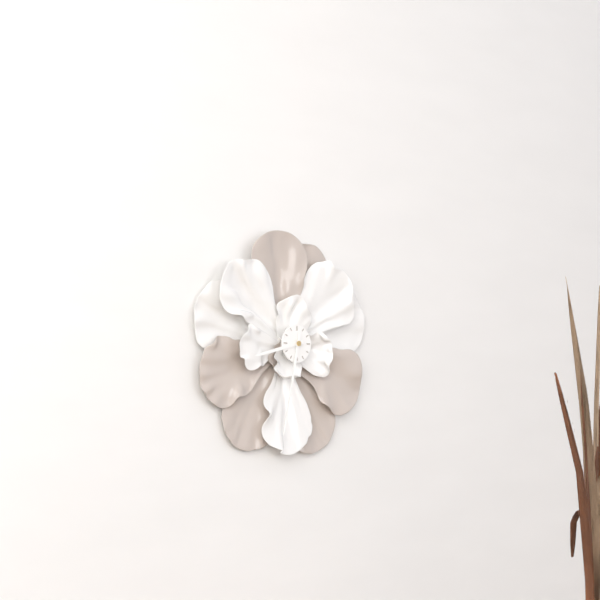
8:32
